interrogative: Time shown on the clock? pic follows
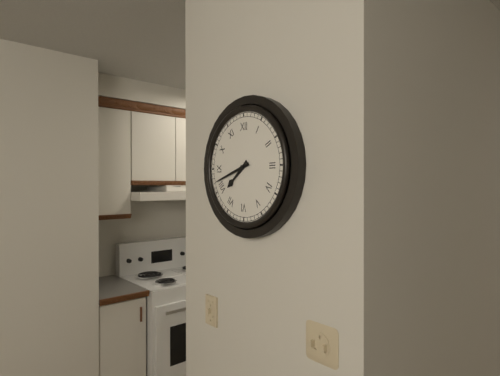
7:42
